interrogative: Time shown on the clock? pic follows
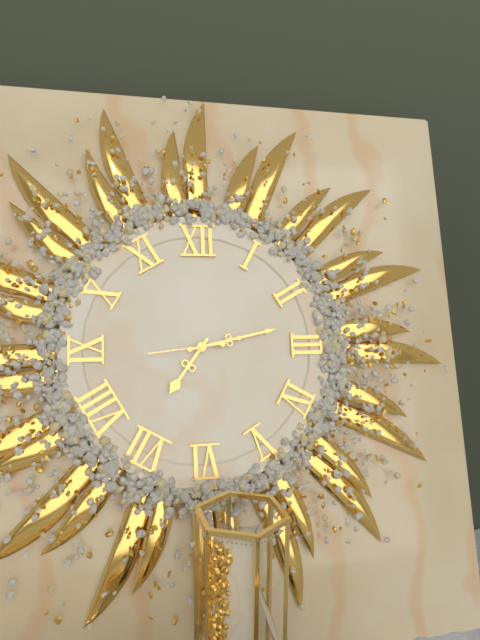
7:13:44
